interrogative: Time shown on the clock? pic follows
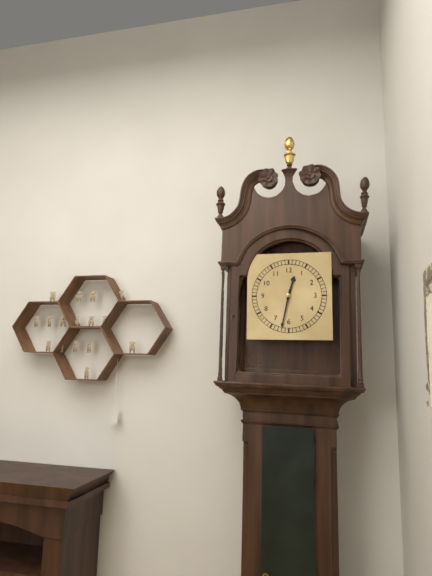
12:32
